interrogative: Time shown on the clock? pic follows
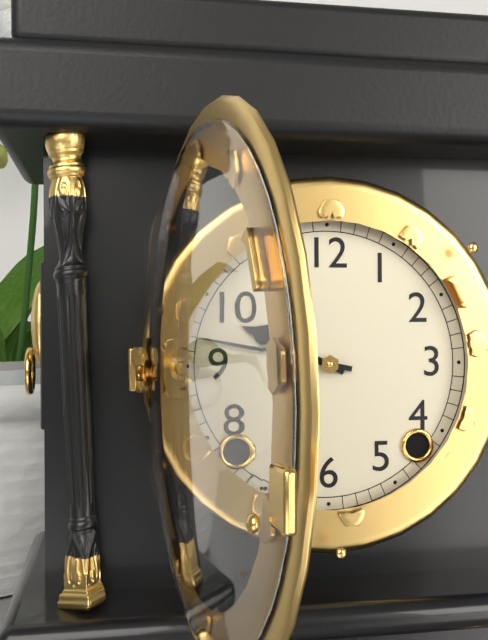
9:47
